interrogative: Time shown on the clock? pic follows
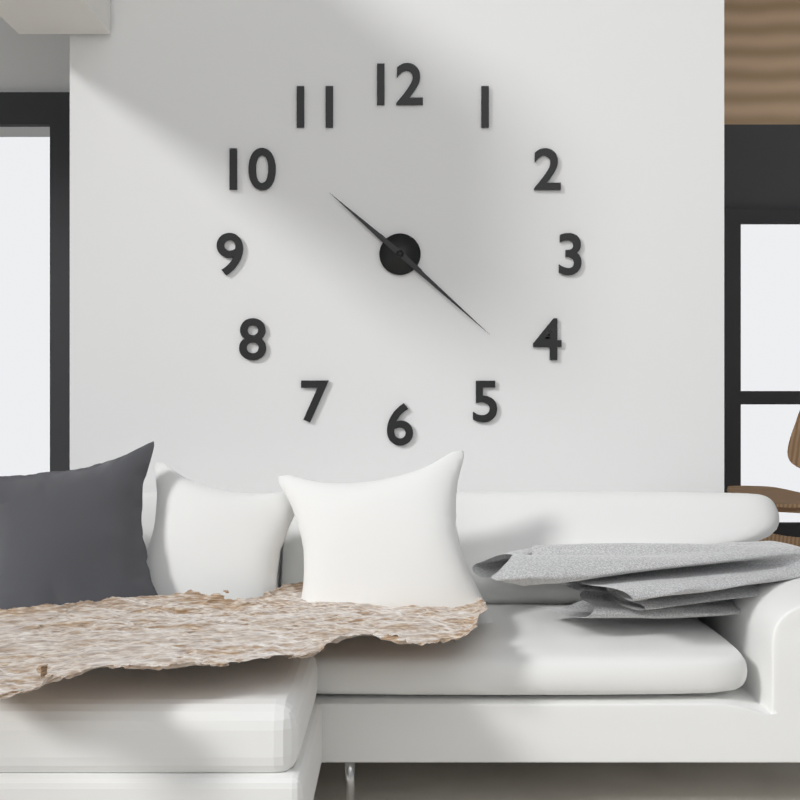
10:22
